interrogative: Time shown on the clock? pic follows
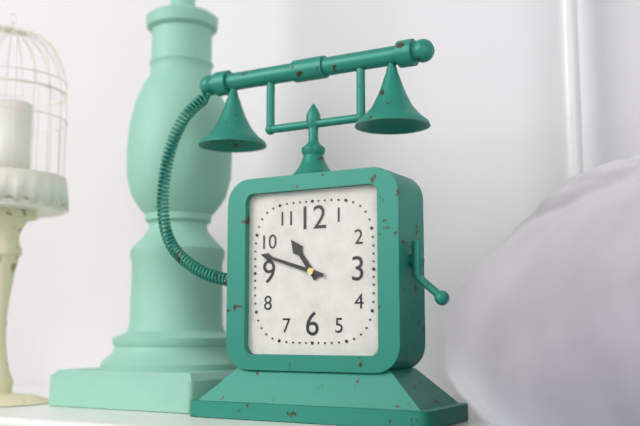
10:48
